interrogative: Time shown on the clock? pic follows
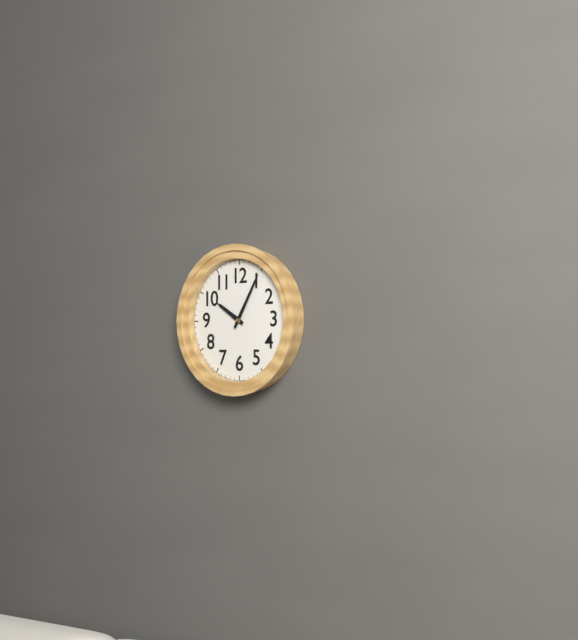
10:05
